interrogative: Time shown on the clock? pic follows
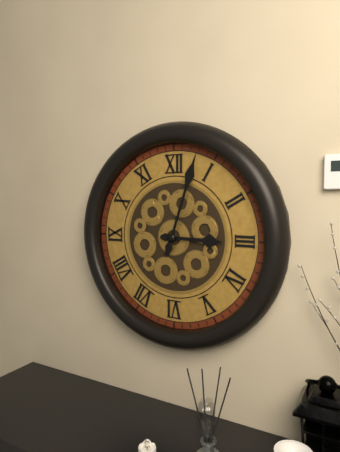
3:03
